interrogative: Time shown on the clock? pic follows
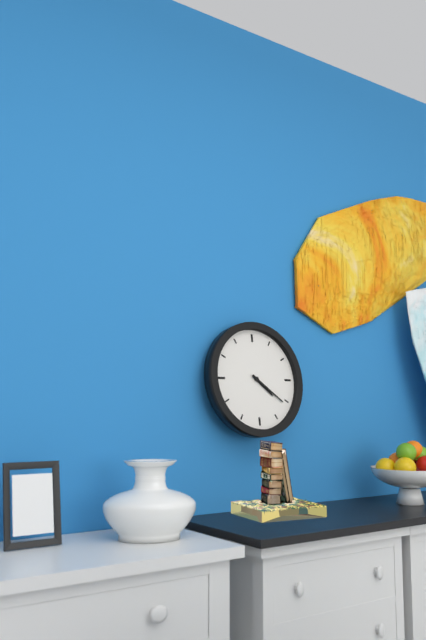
4:21
